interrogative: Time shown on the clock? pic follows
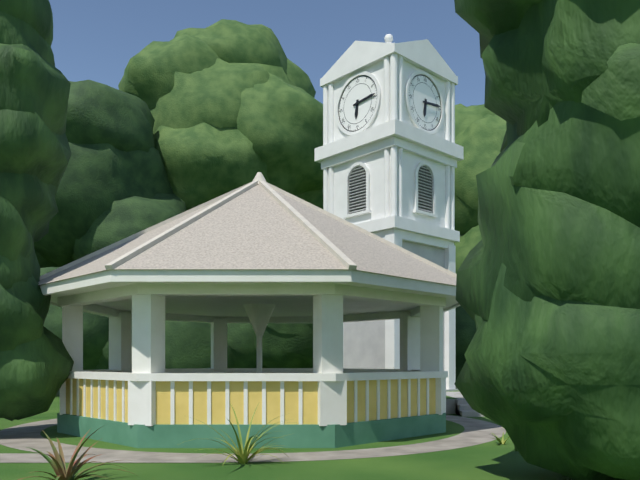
6:14
